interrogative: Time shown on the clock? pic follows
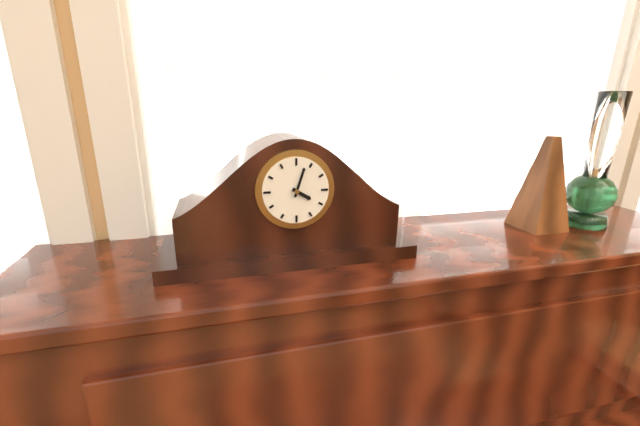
4:03
